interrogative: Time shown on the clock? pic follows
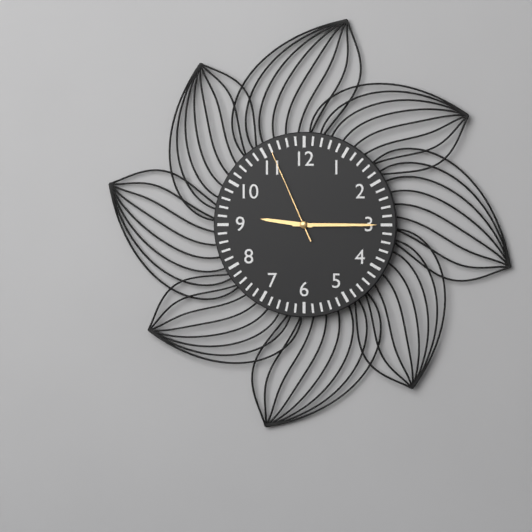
9:15:56
